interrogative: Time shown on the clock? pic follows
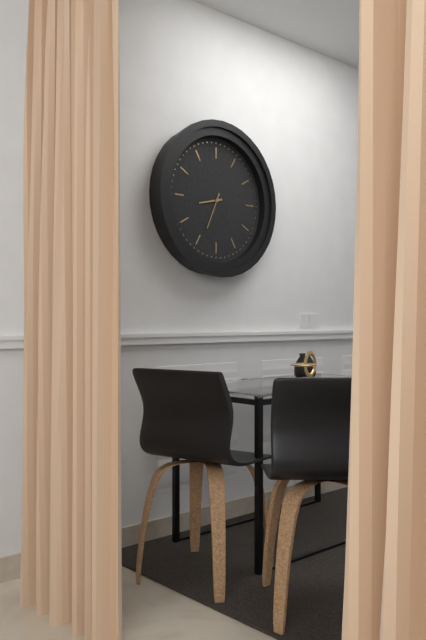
8:34
